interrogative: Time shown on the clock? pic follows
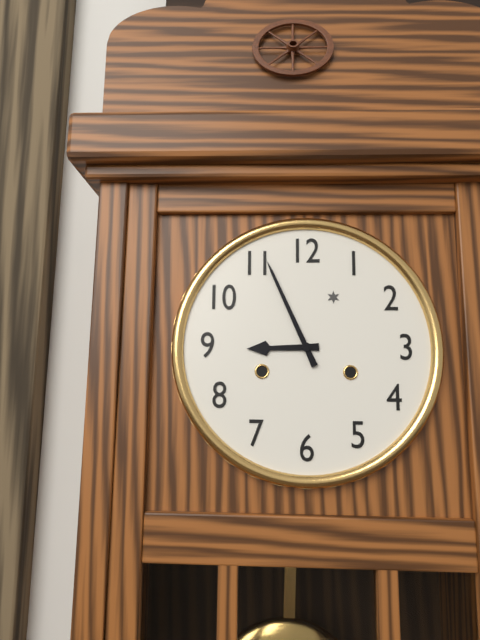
8:56
